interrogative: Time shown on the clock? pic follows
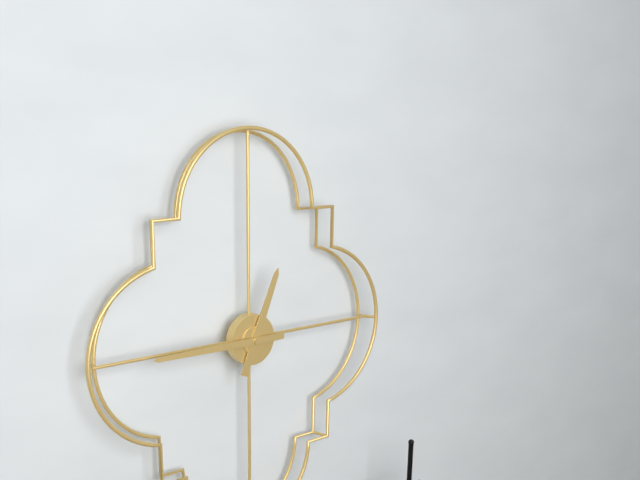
12:45
